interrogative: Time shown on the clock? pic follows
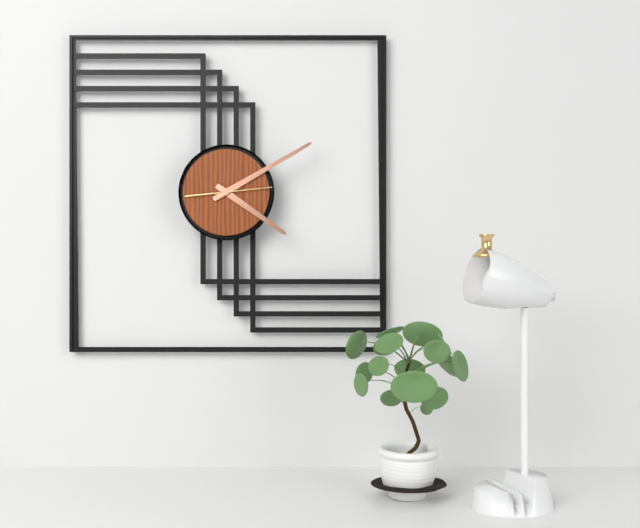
4:10:14
